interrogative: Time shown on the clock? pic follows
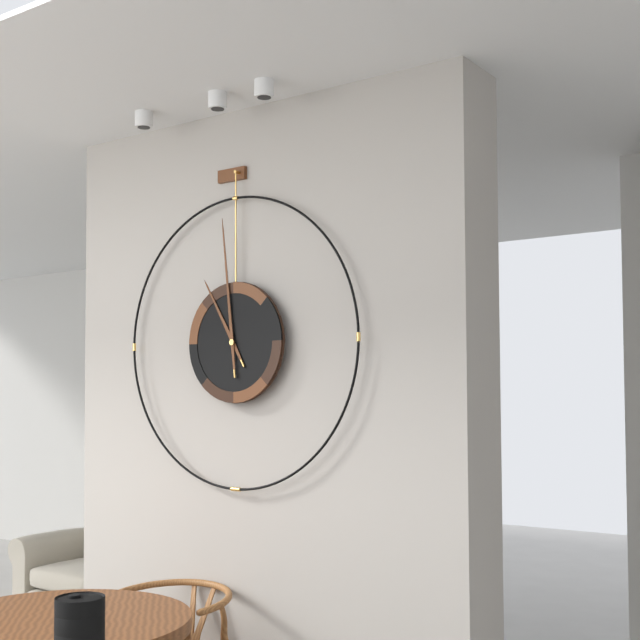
10:59
